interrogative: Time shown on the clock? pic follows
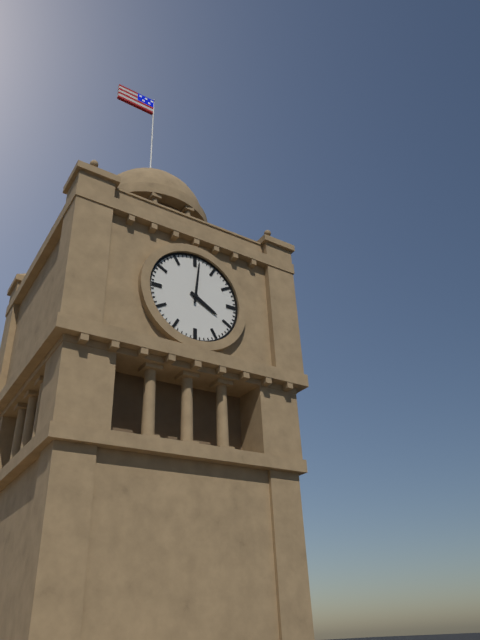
4:01
